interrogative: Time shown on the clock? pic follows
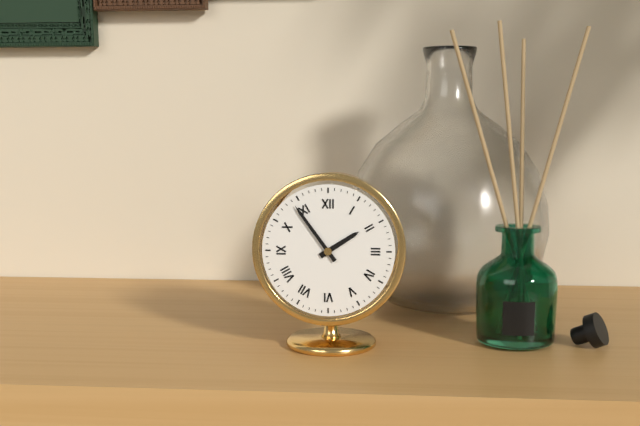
1:54
